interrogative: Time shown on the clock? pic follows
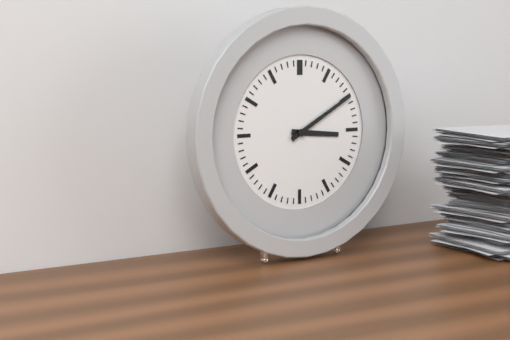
3:10
